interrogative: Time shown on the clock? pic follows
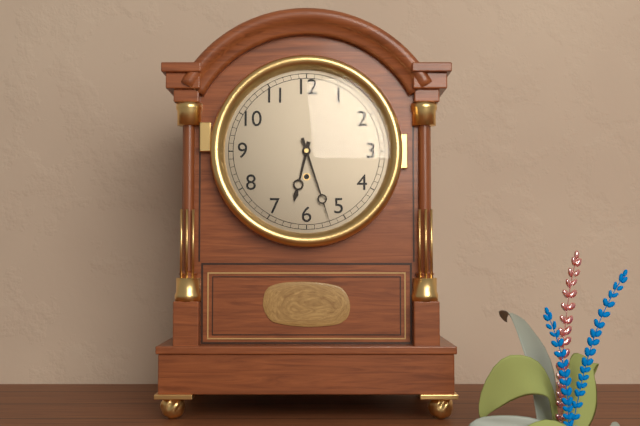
6:27
